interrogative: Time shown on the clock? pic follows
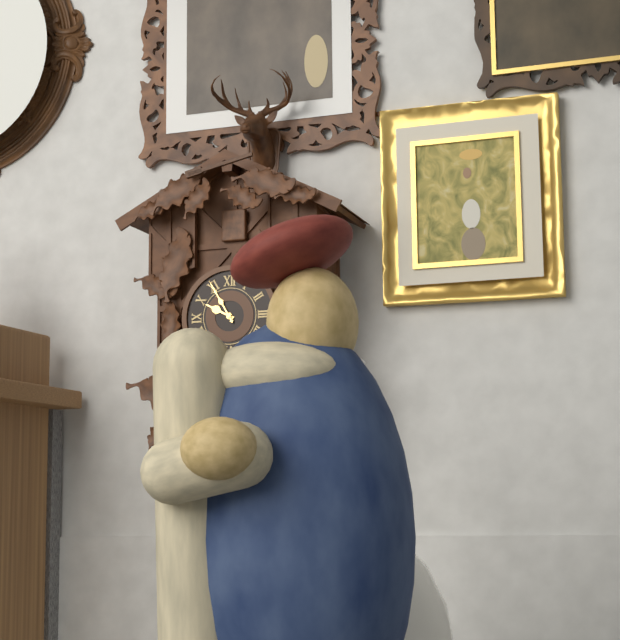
9:55
